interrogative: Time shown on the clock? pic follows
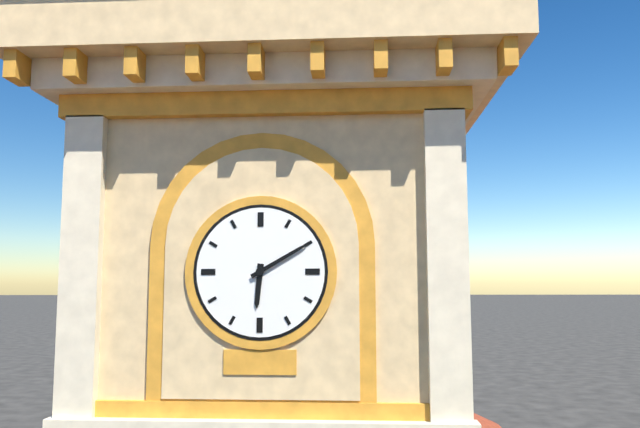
6:10
